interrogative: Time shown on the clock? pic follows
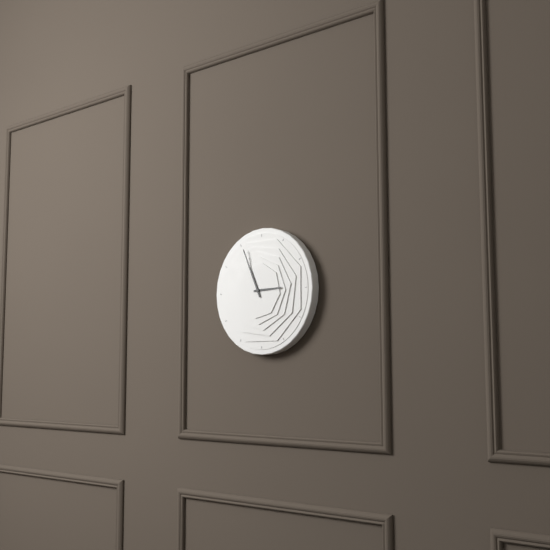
2:56
